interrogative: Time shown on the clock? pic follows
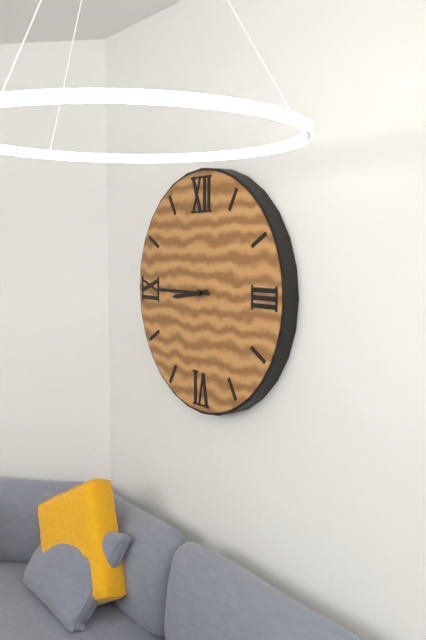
8:45
